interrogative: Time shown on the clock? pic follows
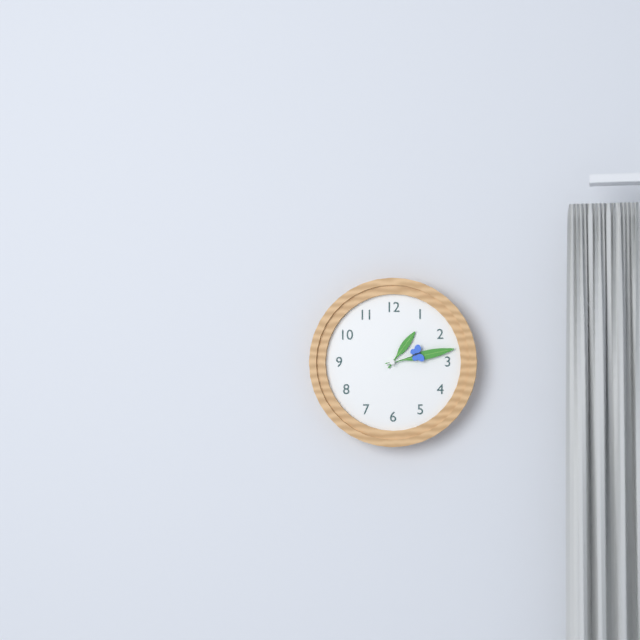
1:13
